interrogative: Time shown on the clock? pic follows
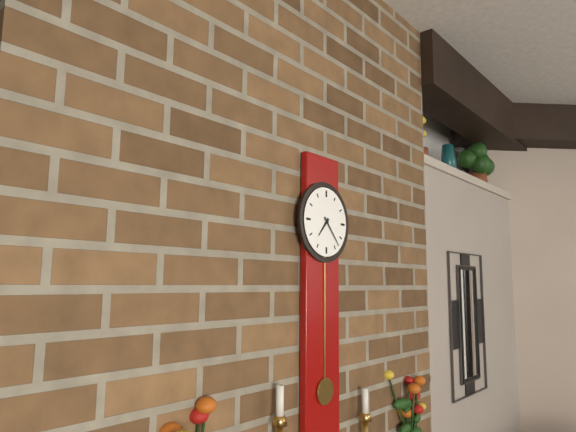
7:23
